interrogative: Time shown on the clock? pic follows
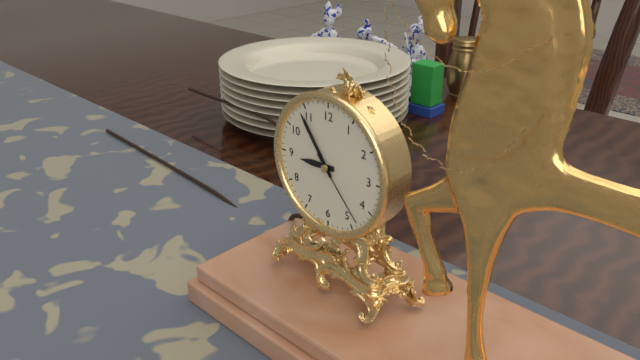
8:54:23
